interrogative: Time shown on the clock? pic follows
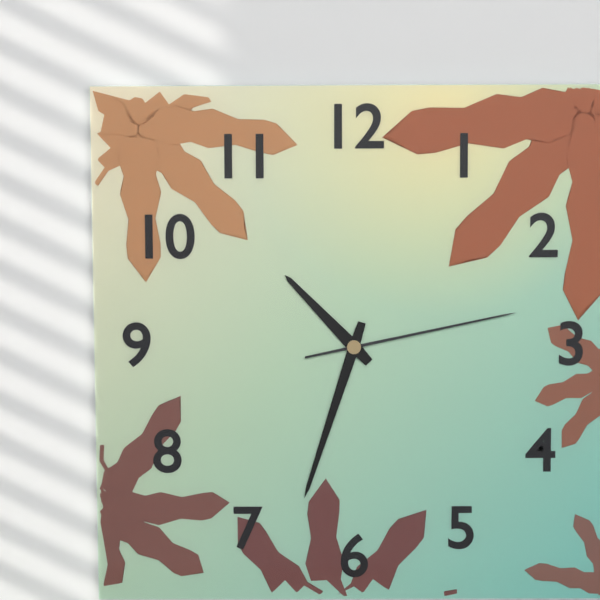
10:33:13
